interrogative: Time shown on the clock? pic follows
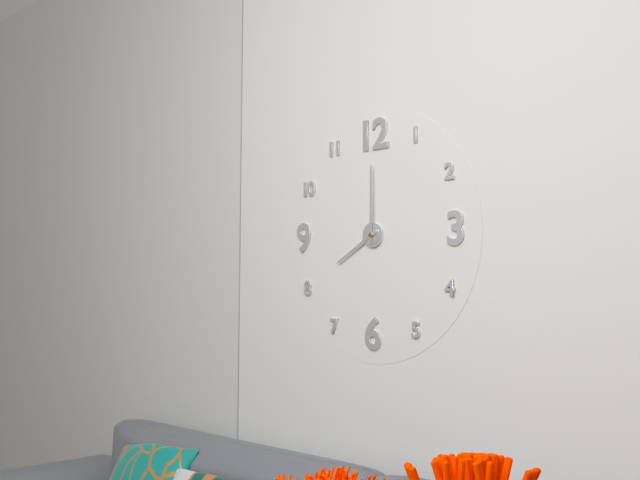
8:00
